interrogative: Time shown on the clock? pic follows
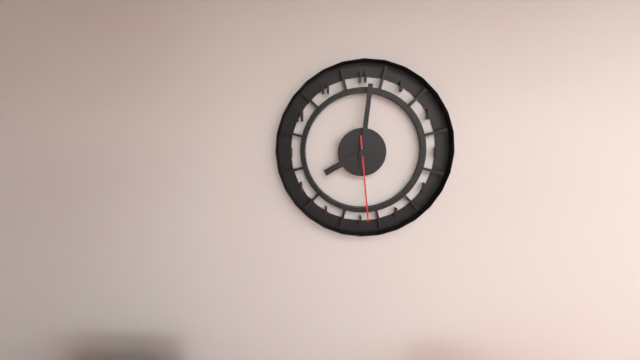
8:01:29
